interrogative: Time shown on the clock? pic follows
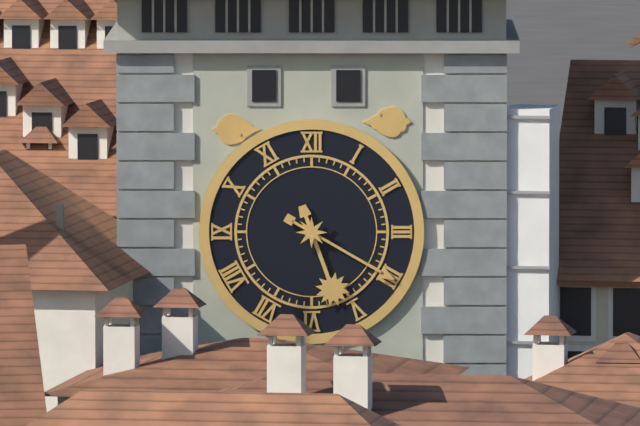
5:20
